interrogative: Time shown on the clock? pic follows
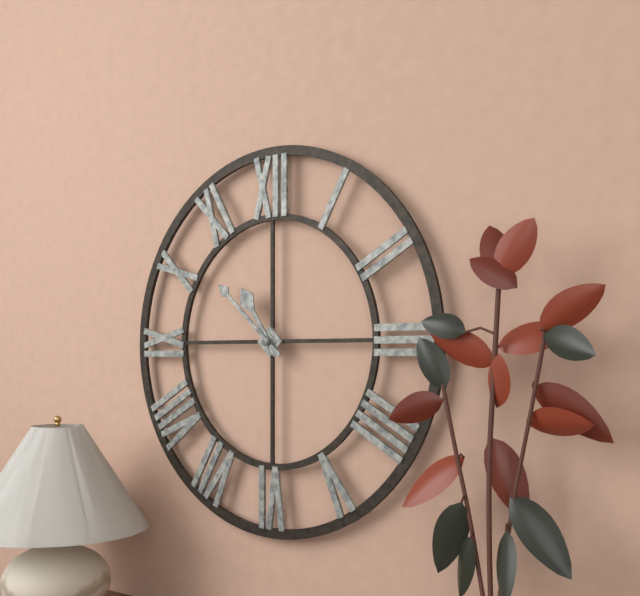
10:52
